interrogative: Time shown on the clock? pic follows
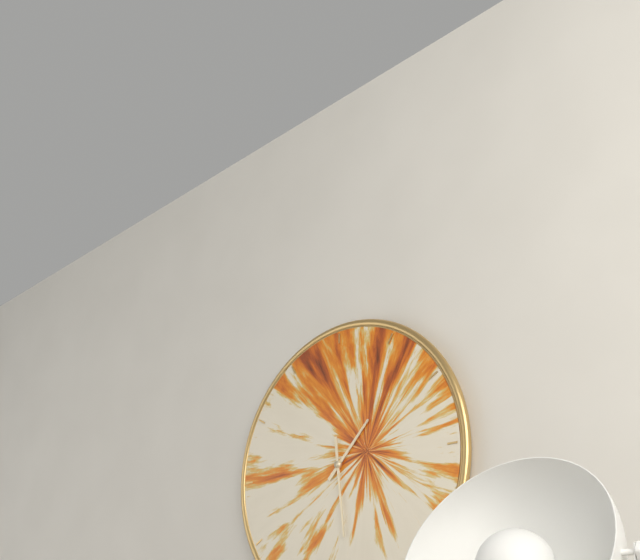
1:29
